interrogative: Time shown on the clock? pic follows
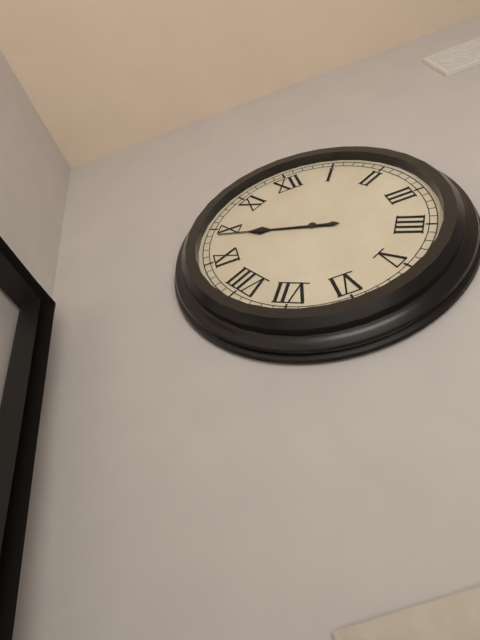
9:49
